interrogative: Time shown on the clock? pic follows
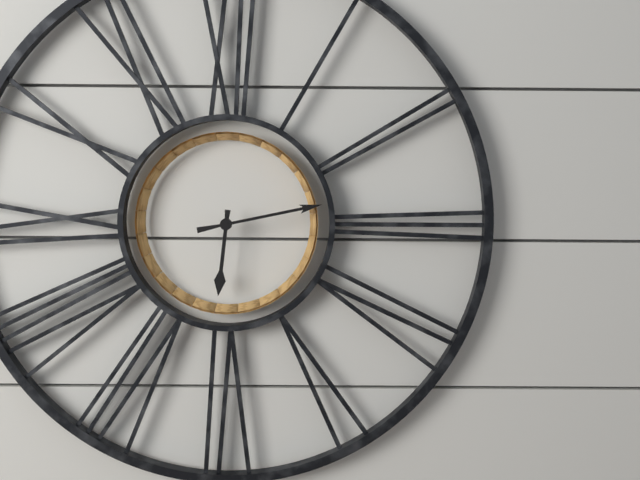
6:13
